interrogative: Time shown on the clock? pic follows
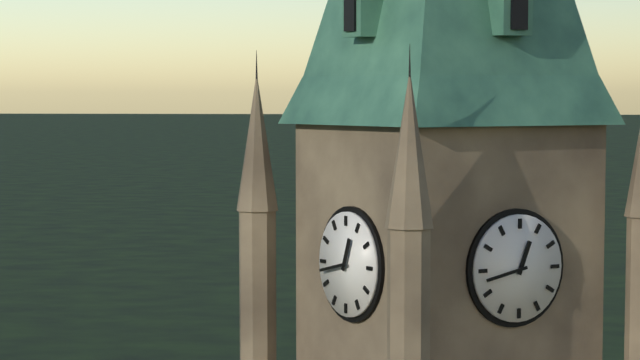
12:43
